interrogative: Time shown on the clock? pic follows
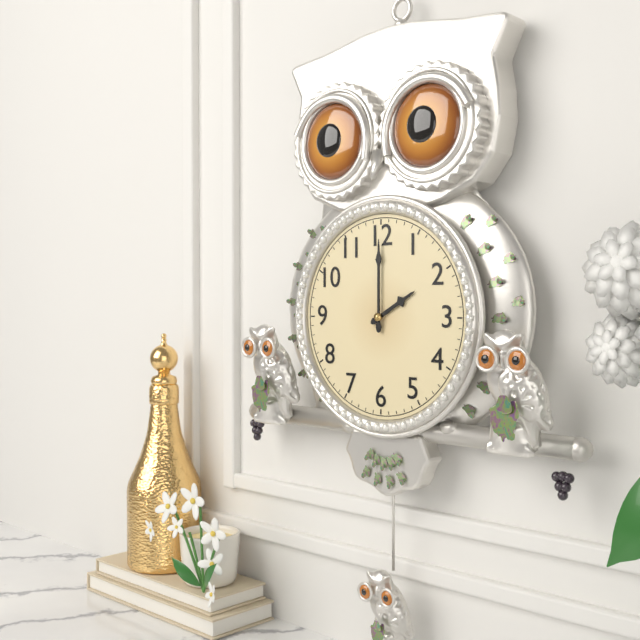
2:00
